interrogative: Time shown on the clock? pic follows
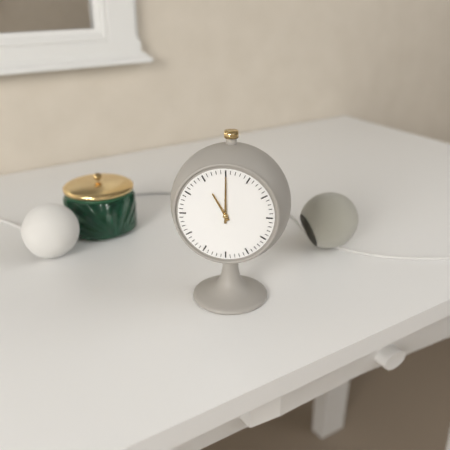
11:00
